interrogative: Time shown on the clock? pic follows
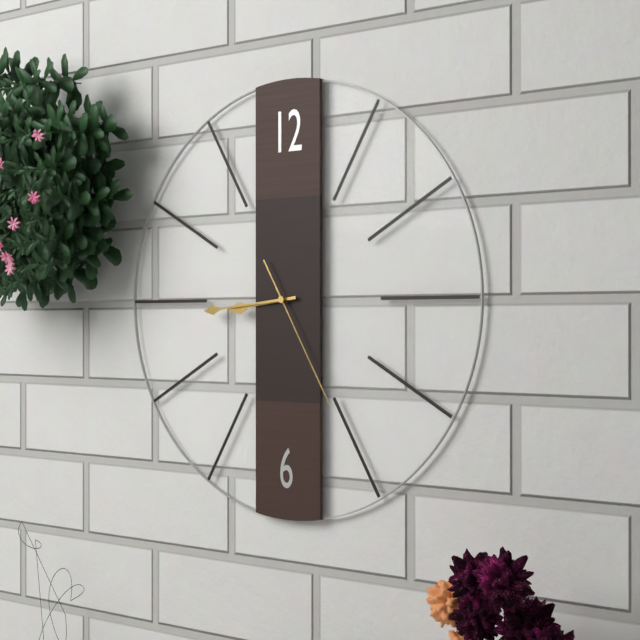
8:44:25
